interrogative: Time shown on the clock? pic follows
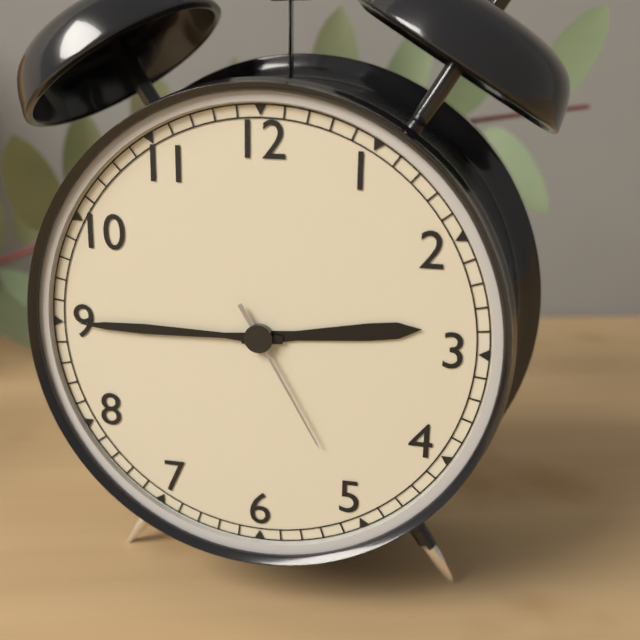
2:45:25
